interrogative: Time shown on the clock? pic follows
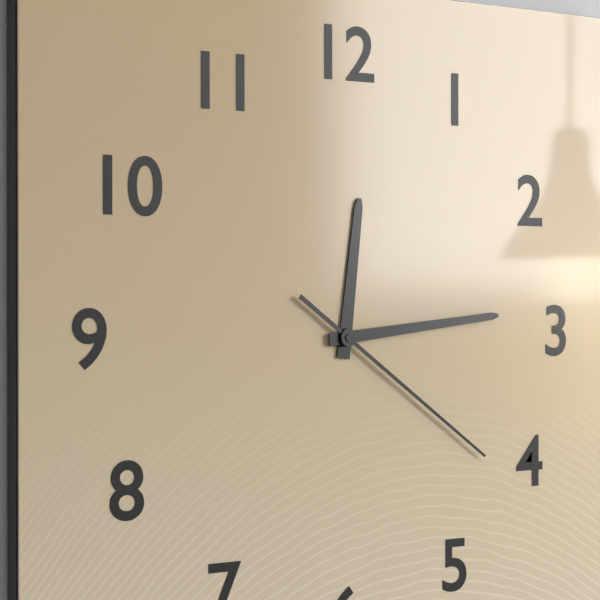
12:14:21
